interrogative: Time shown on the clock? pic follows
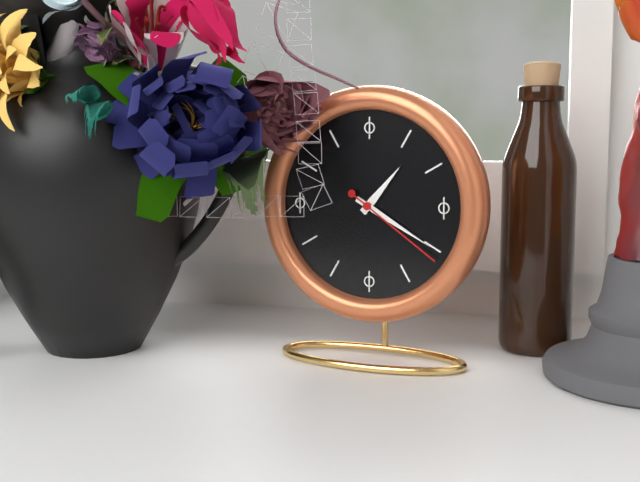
1:20:21
